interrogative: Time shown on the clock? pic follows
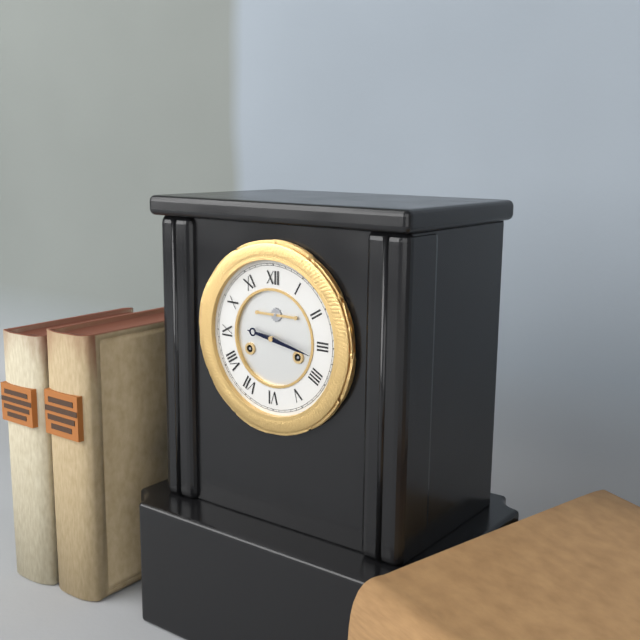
9:17
